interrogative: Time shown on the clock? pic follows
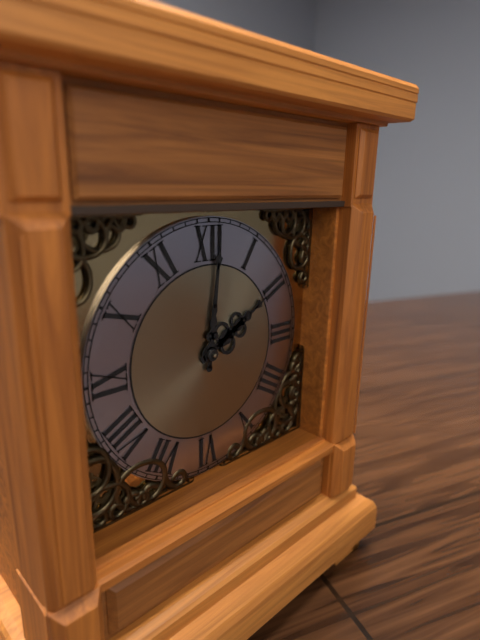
2:01
